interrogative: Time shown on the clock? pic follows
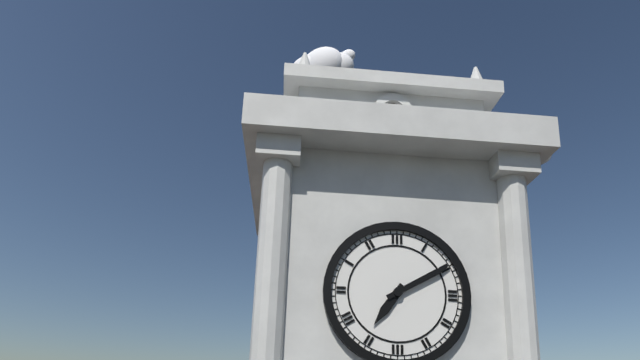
7:10
